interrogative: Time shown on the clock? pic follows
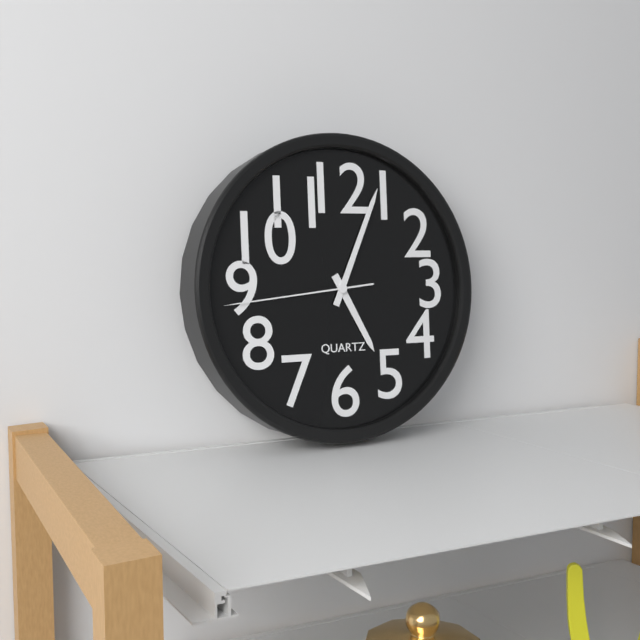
5:04:44
